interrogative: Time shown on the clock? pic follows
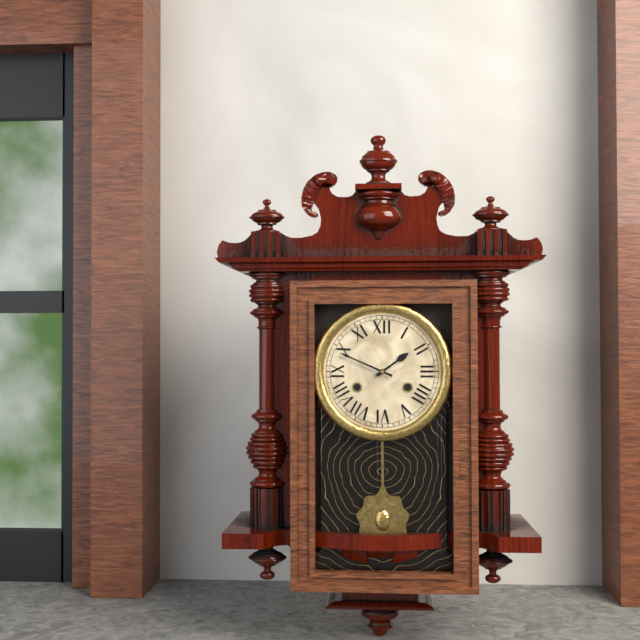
1:49
